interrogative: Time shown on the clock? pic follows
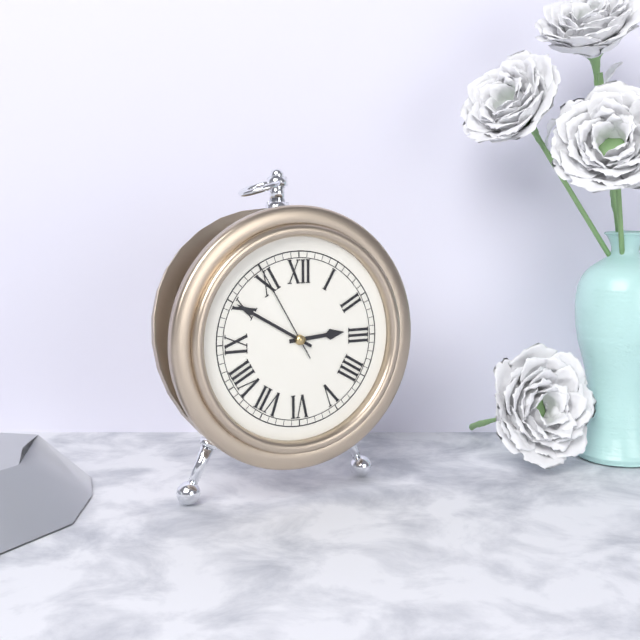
2:50:55
